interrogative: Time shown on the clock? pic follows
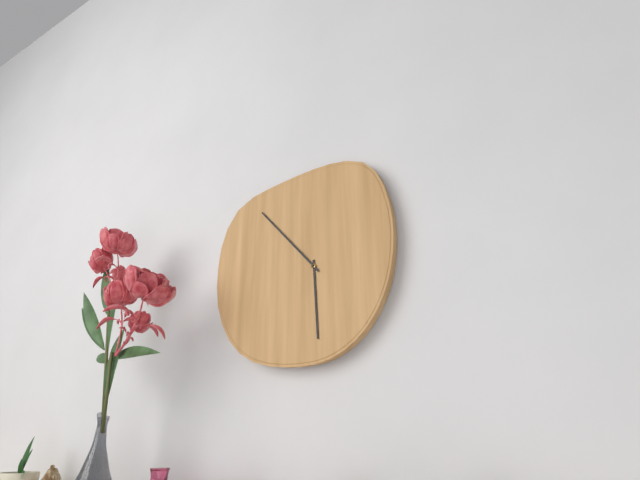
5:53
